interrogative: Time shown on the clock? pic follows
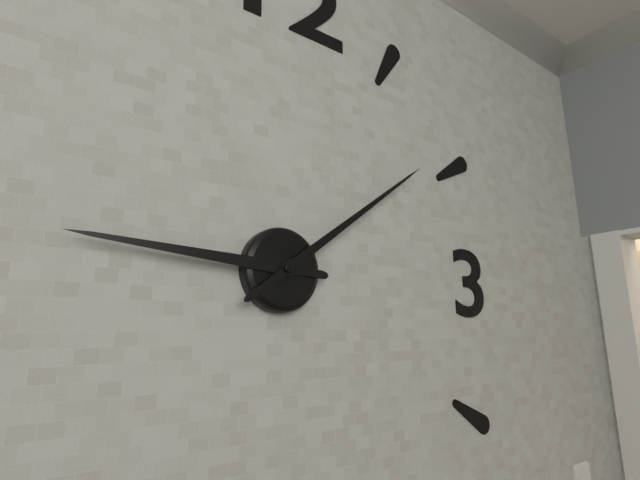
9:09
